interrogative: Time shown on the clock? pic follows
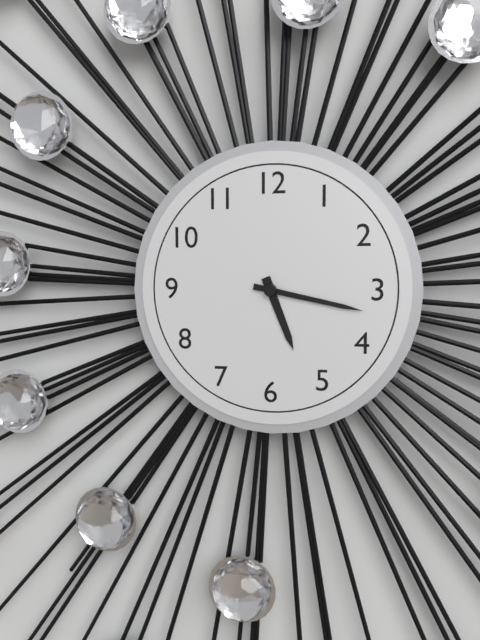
5:17
